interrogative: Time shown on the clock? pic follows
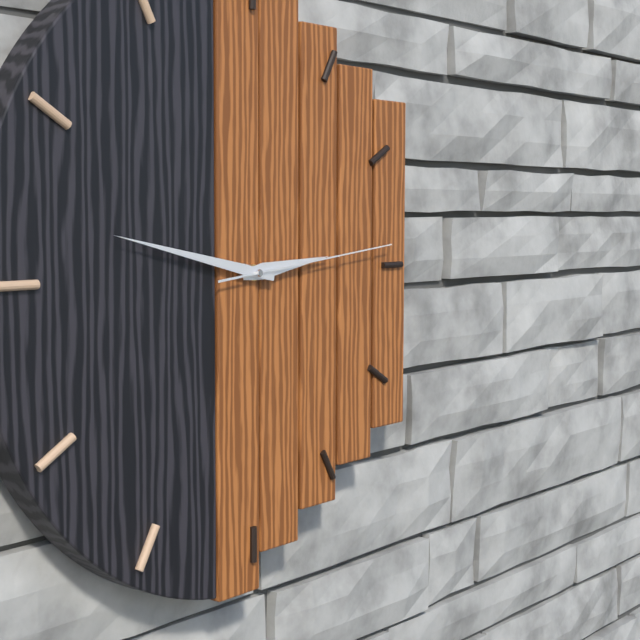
2:47:14
